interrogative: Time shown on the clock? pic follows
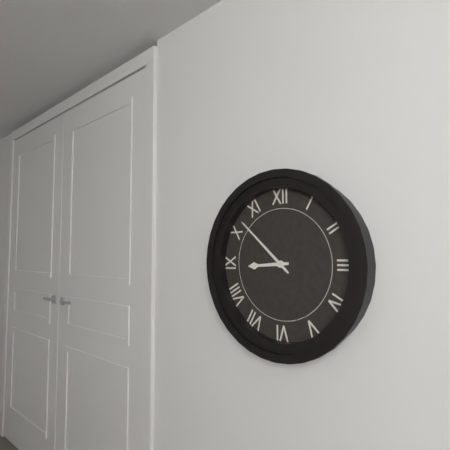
8:52
